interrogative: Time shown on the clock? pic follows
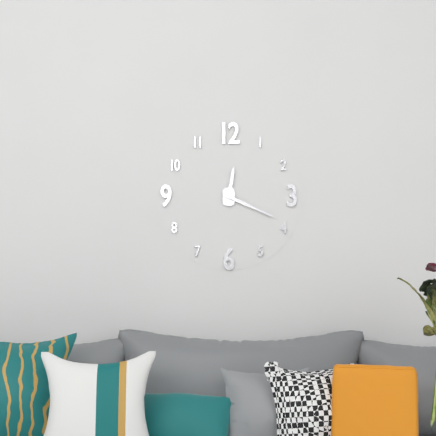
12:19
